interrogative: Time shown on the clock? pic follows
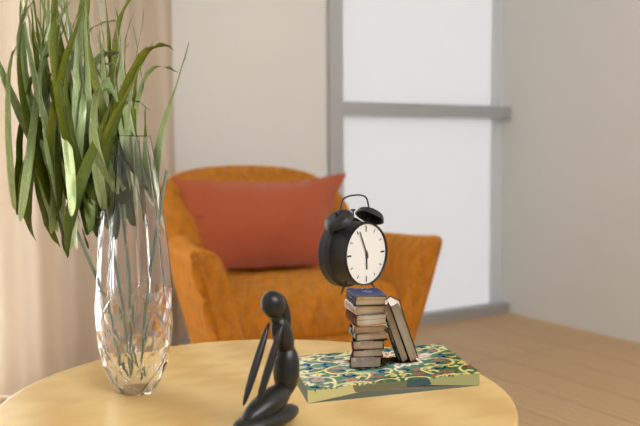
5:56
